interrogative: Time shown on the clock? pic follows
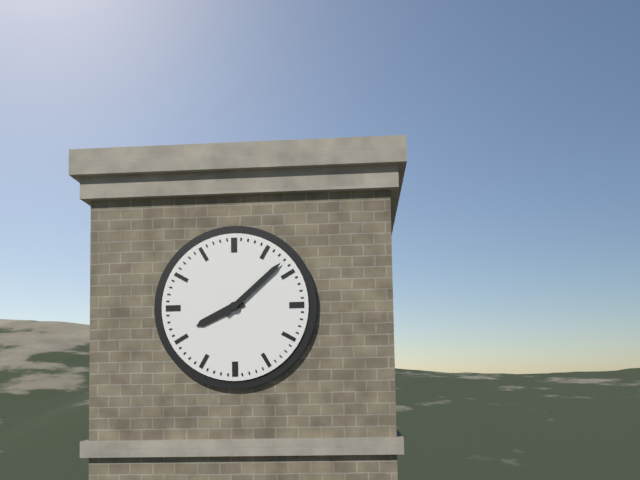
8:08
